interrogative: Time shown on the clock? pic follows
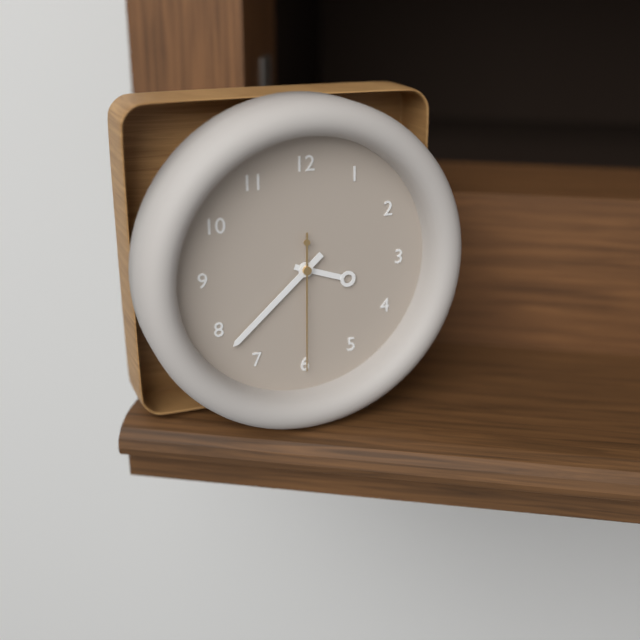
3:38:30
